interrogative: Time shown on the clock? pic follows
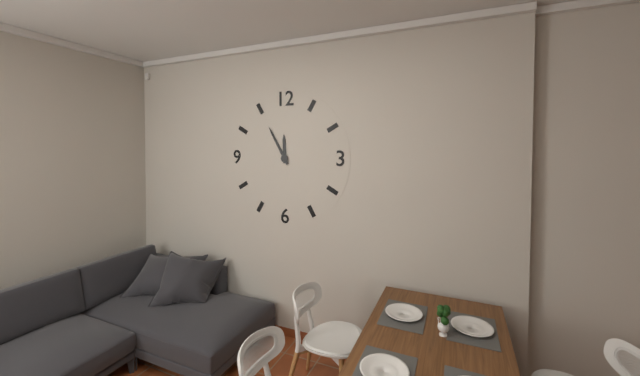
11:55
